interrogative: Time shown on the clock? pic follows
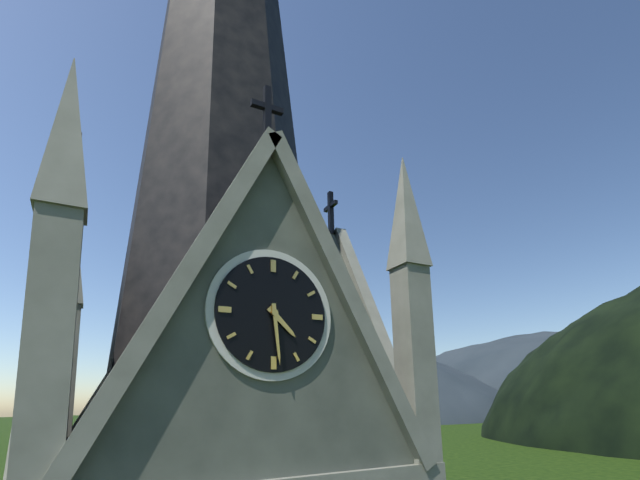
4:29
